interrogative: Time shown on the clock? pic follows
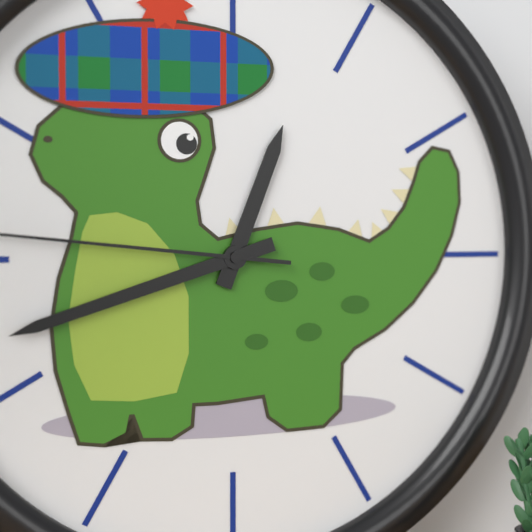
12:42
